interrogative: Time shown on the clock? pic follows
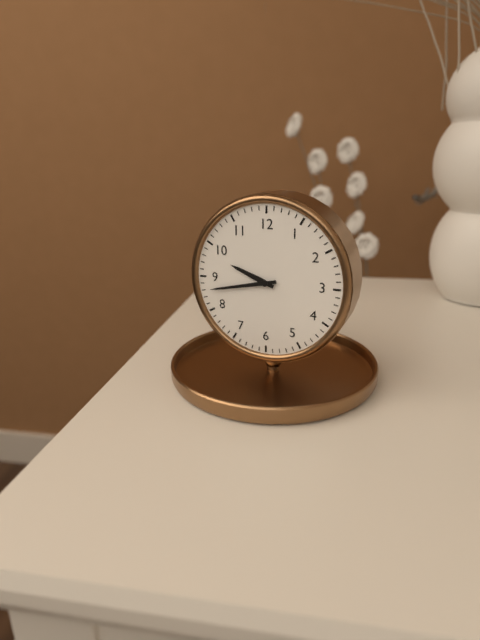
9:43
